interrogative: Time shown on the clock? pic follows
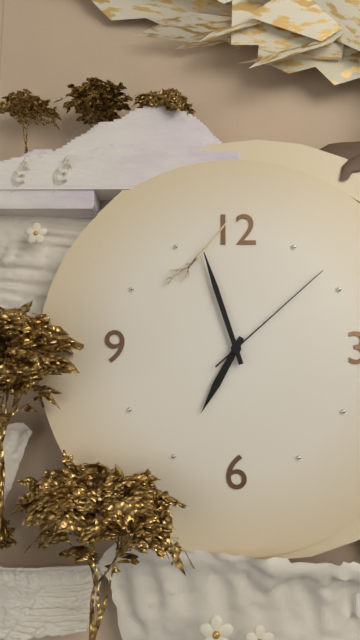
6:57:08
